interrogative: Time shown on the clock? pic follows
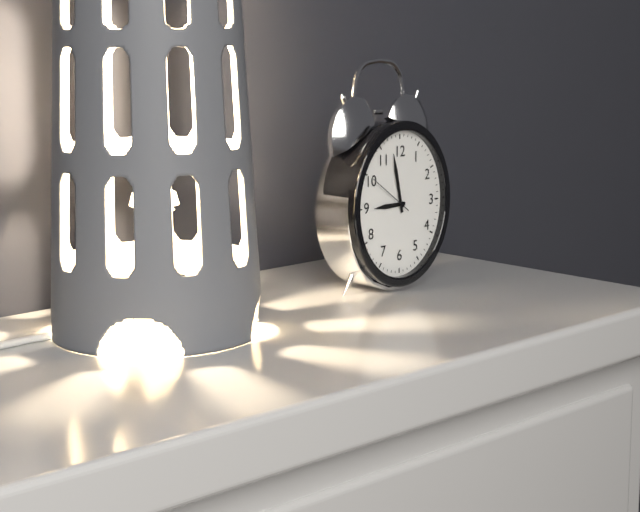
8:58
